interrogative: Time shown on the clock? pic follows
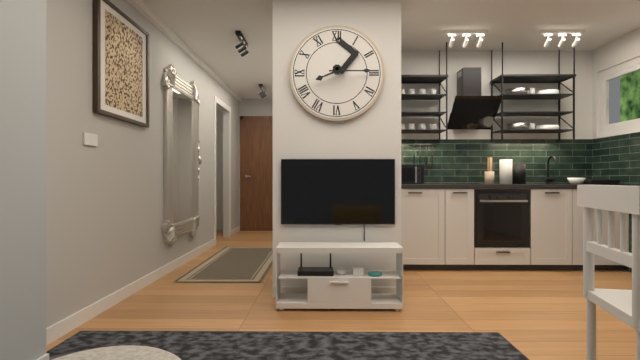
8:15
